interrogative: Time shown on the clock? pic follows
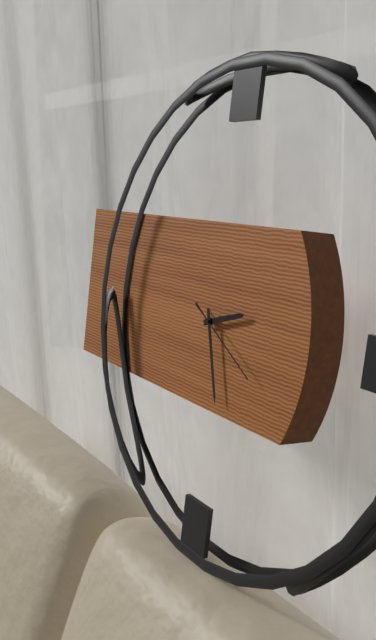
2:27:20
